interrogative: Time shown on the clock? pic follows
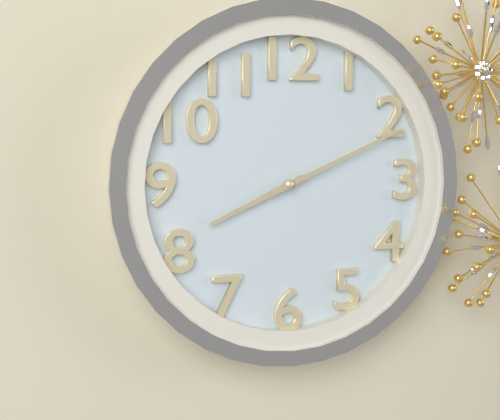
8:11
